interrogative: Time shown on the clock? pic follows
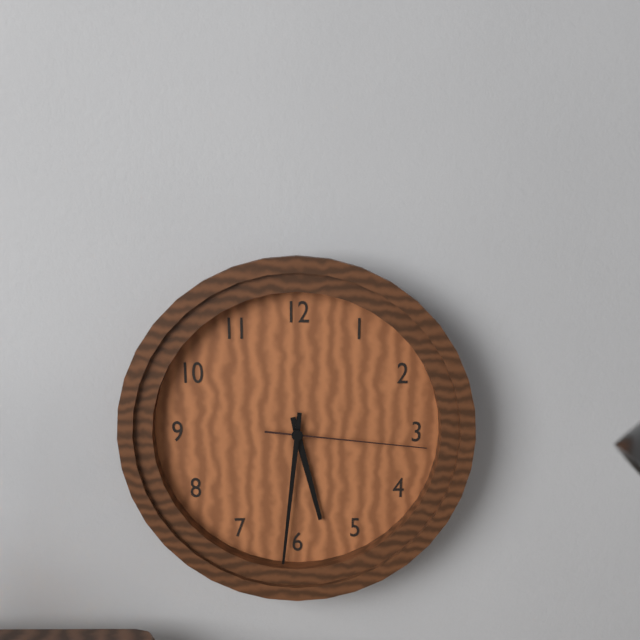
5:31:16
